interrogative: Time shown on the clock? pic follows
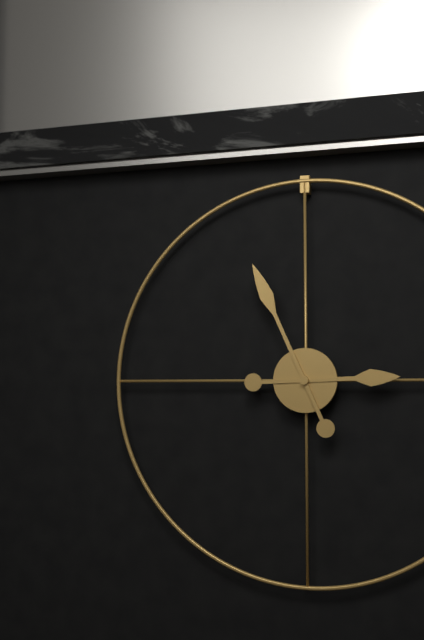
2:56
